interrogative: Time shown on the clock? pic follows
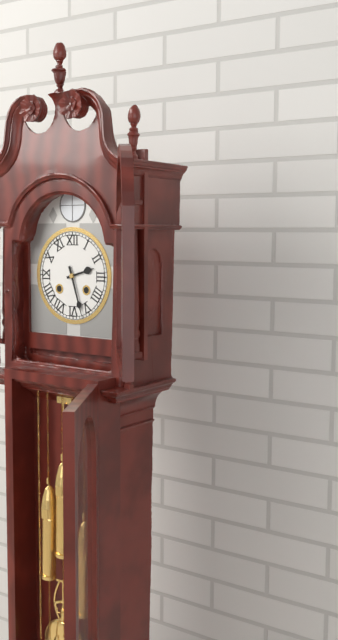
2:27
